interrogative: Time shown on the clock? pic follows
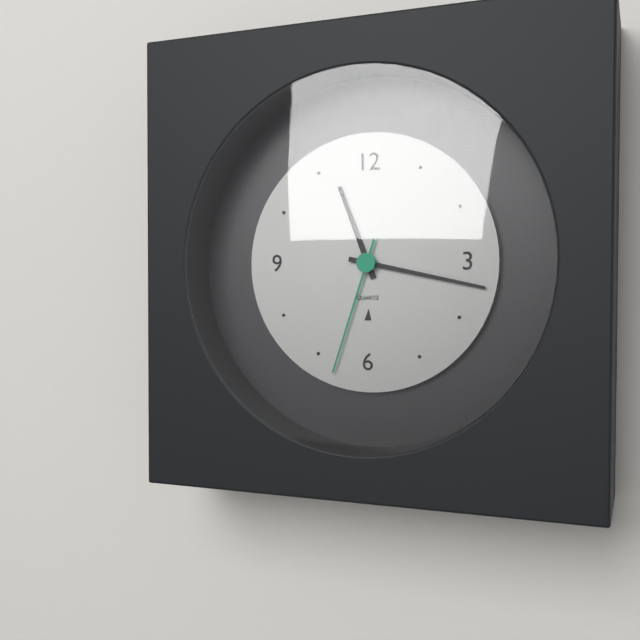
11:17:33
